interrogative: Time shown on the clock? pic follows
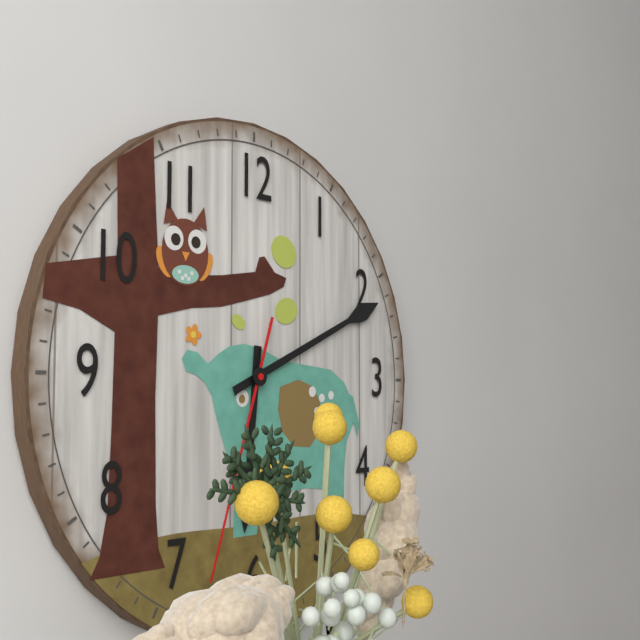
6:11:33
